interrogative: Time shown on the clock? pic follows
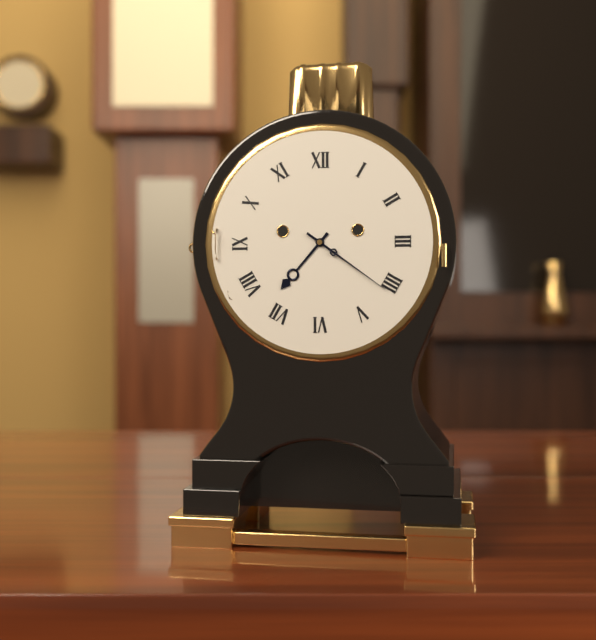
7:21
